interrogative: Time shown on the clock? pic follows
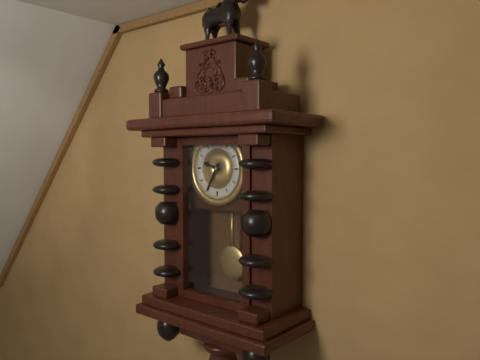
9:35
